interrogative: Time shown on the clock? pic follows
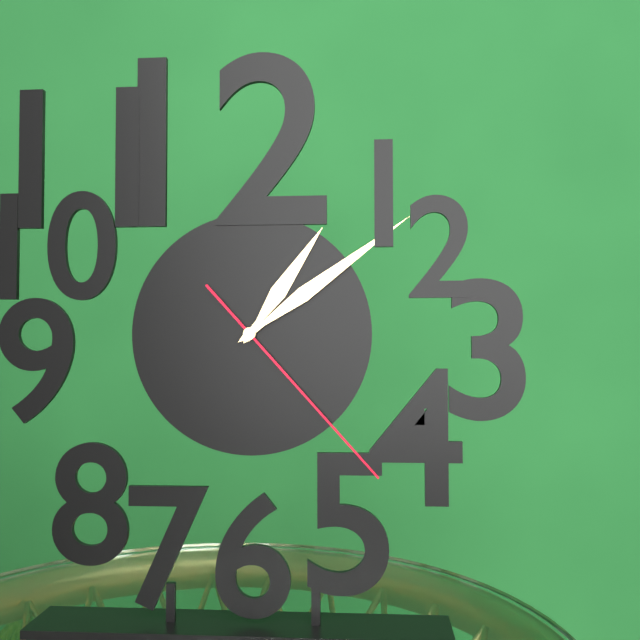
1:09:23
